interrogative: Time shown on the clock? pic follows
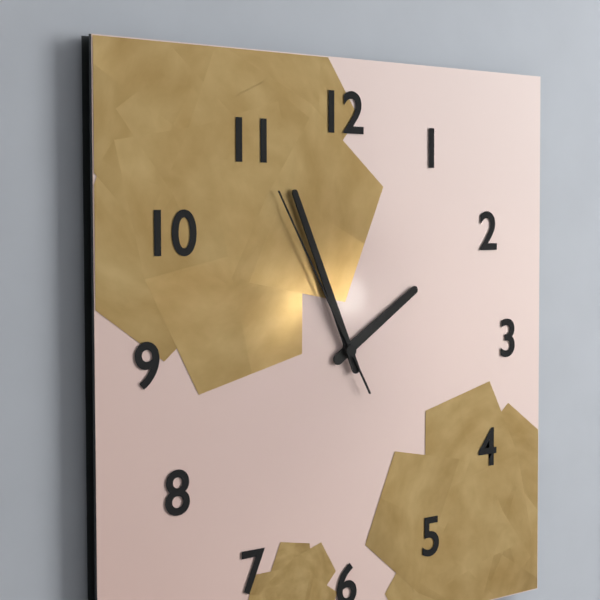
1:56:55
